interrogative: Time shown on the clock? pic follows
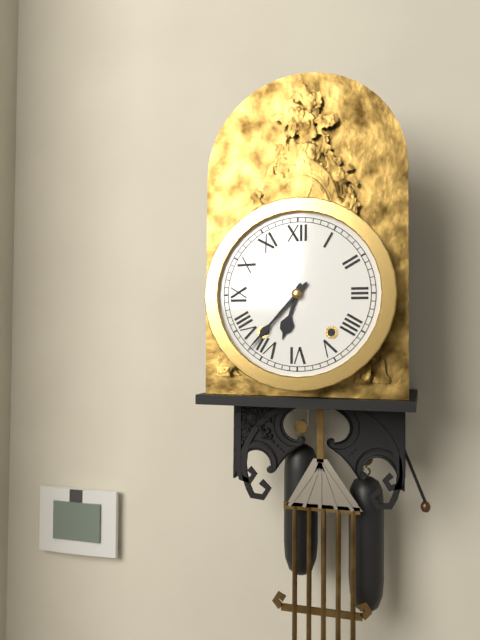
6:37
